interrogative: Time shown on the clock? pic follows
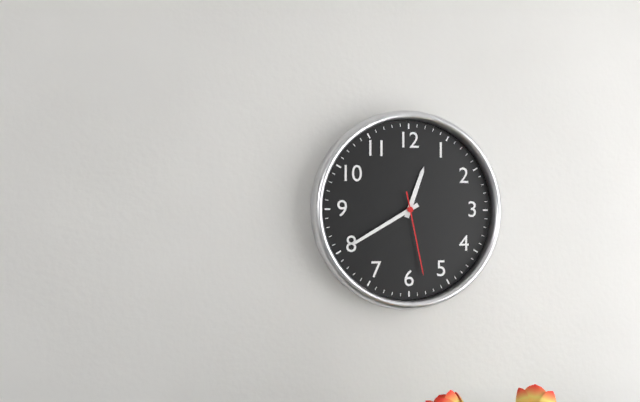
12:40:28
